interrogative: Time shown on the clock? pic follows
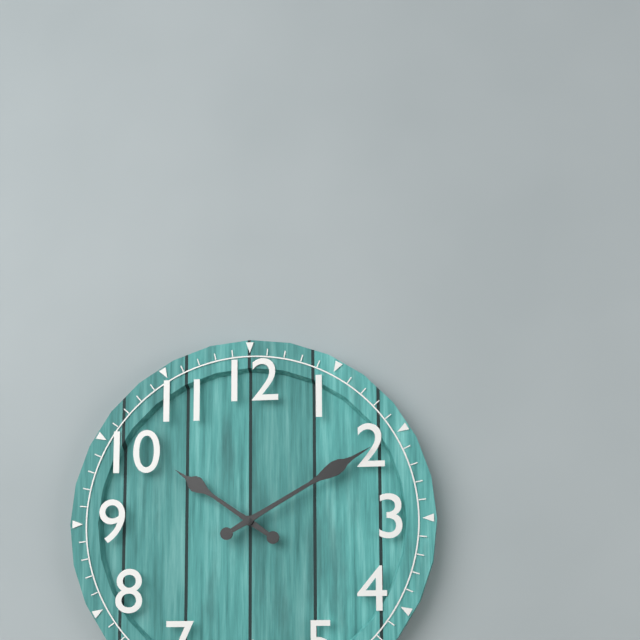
10:10
